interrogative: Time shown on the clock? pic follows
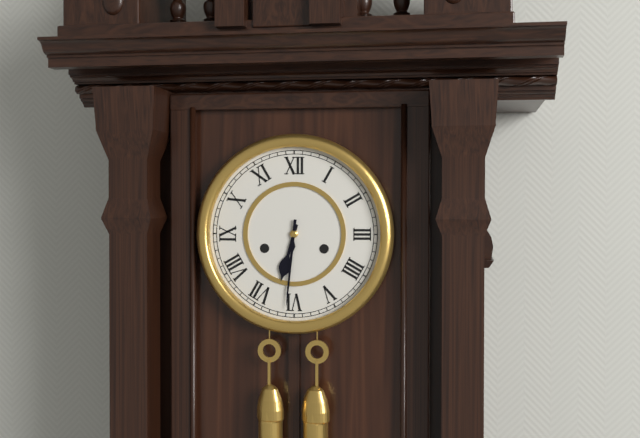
6:31
